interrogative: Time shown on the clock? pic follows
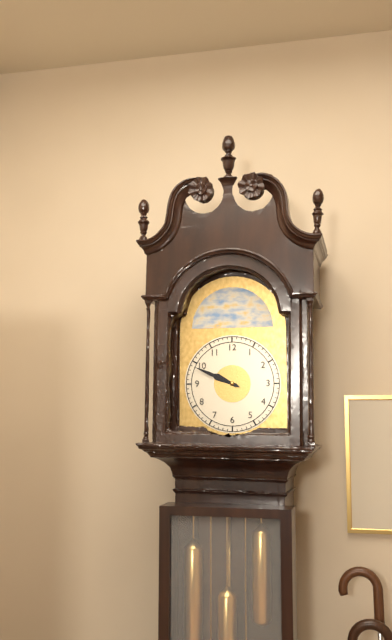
9:49
